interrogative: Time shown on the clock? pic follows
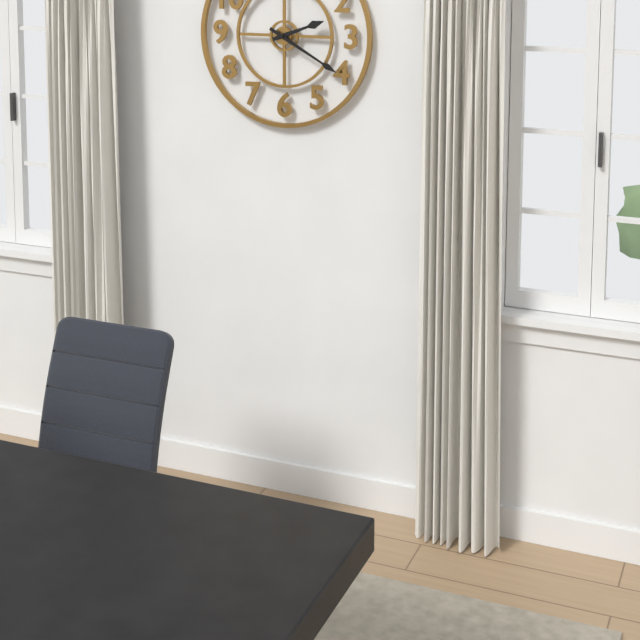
2:20
